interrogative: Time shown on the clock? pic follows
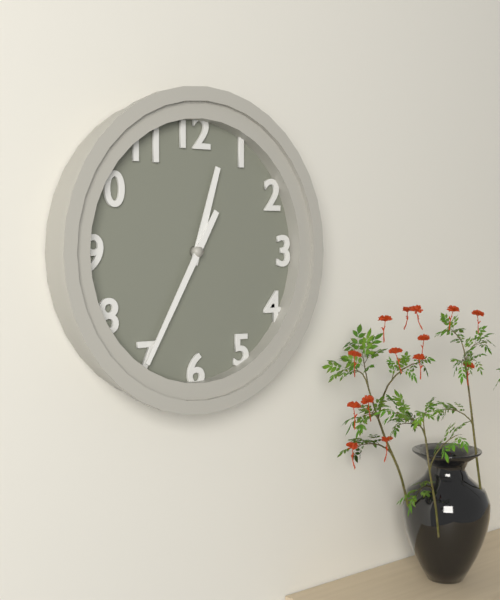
12:35
